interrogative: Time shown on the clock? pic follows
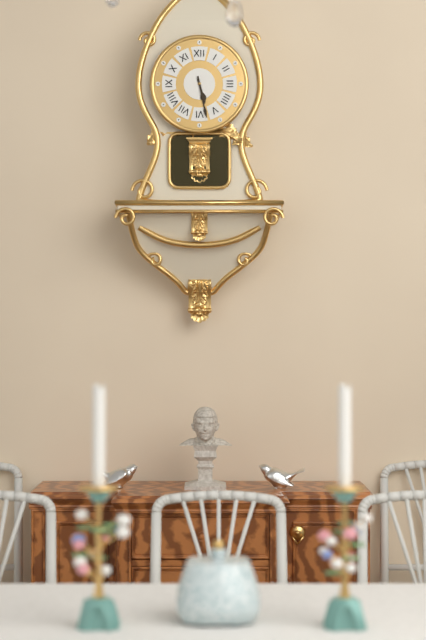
5:28
